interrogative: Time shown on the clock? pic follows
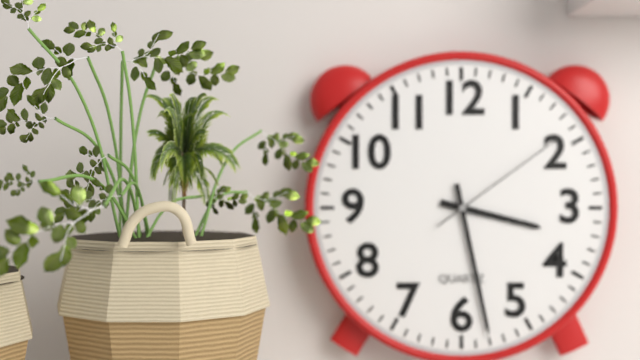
3:28:09
